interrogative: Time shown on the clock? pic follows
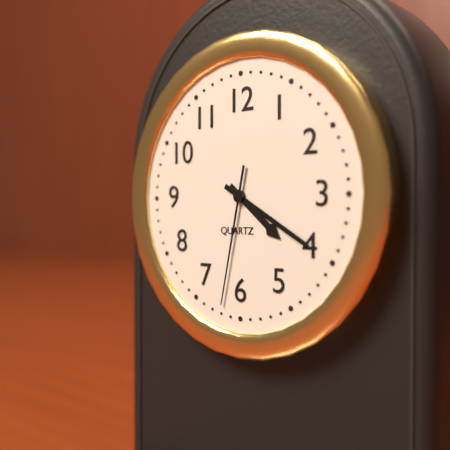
4:20:32
